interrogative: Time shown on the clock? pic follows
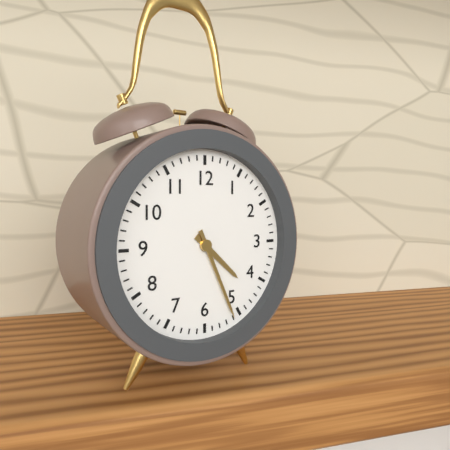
4:26
